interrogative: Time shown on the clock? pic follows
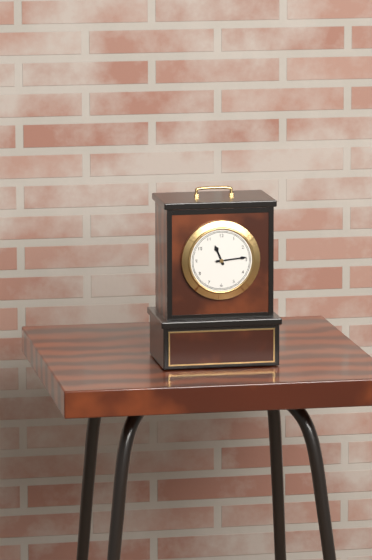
11:14
